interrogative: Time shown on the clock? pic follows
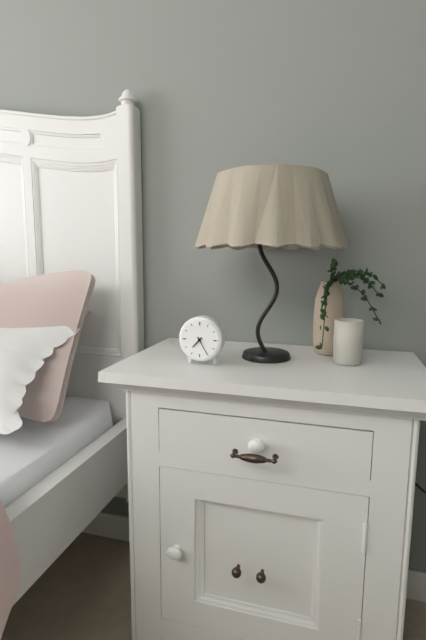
7:25
